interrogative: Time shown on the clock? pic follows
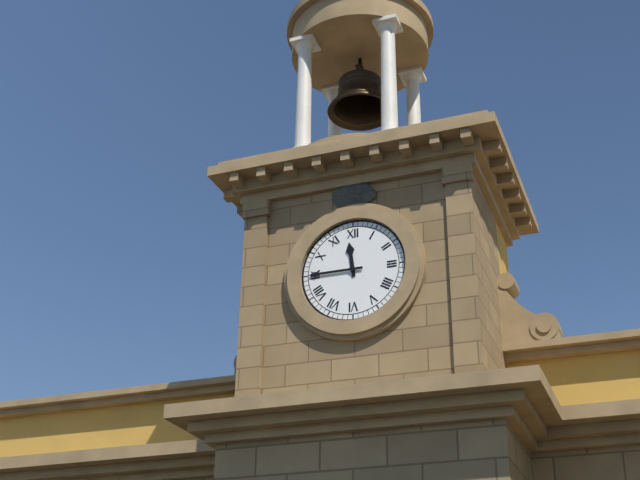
11:45
